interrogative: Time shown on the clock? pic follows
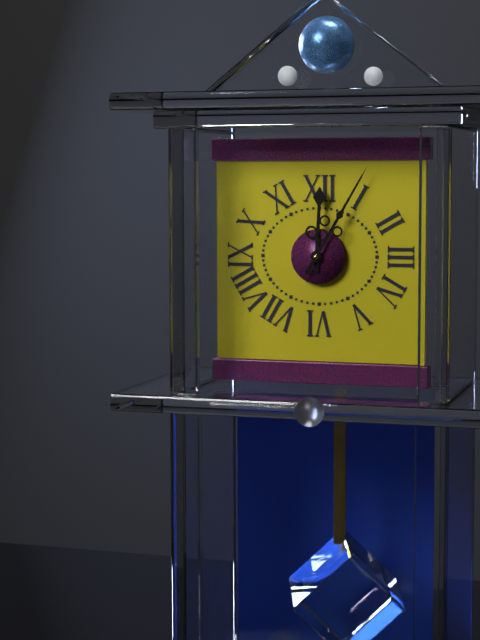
12:05
